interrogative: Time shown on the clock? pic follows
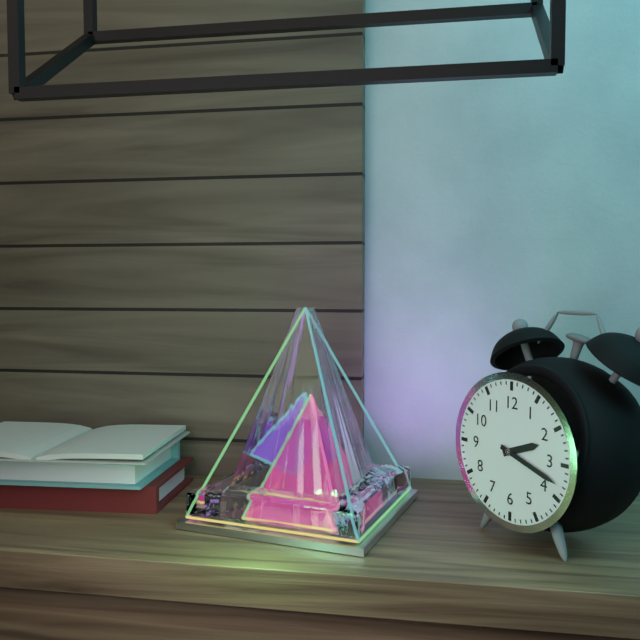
2:18
